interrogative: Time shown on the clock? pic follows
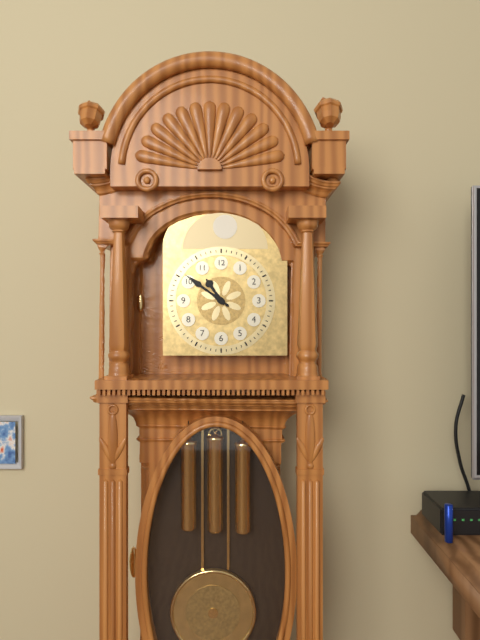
10:51
